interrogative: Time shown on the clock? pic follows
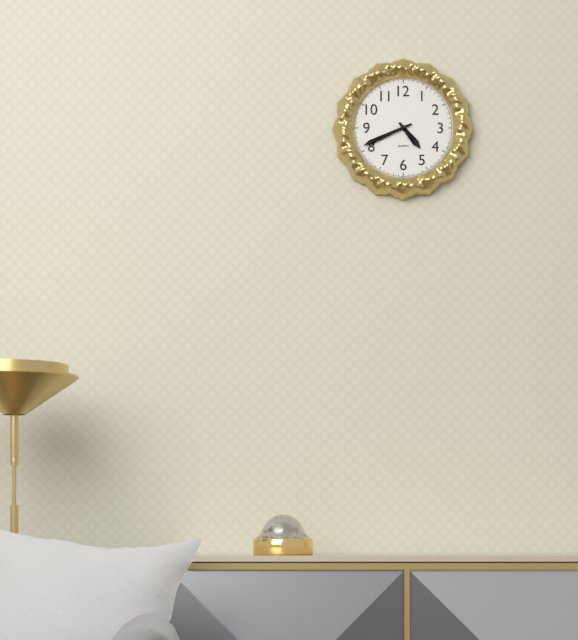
4:41
